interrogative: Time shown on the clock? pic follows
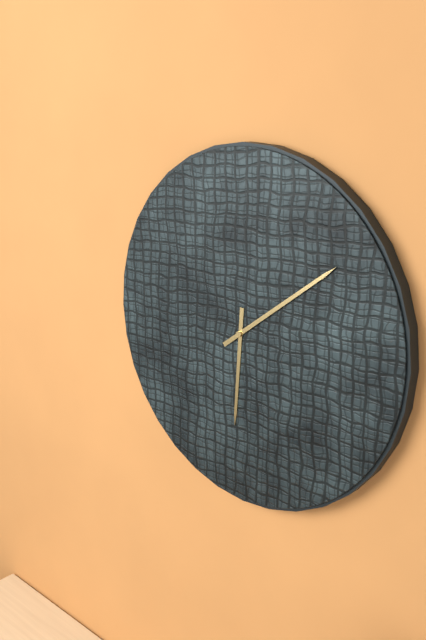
6:09
